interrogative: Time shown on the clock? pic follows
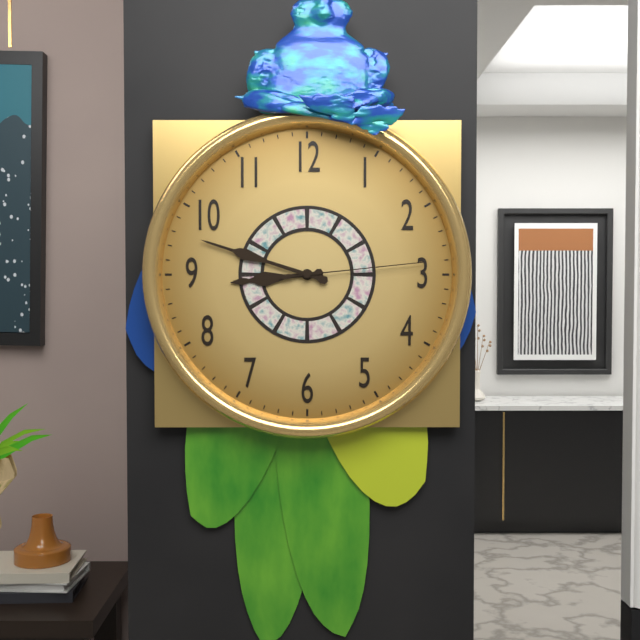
8:48:14
